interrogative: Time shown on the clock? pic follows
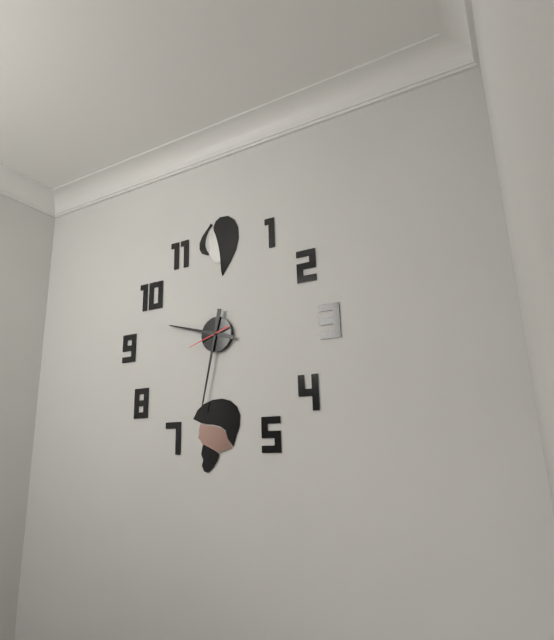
9:32
